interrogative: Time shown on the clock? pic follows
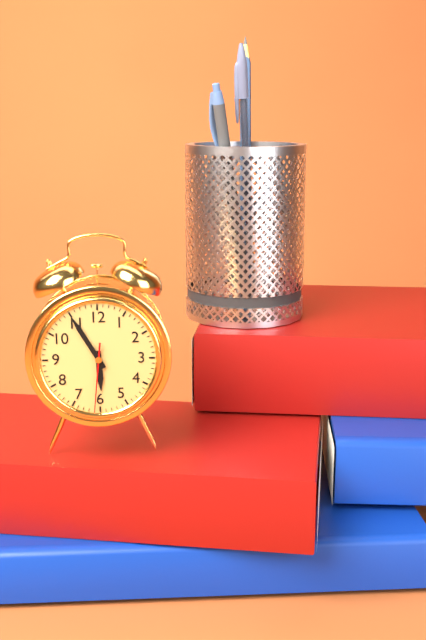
5:55:31
